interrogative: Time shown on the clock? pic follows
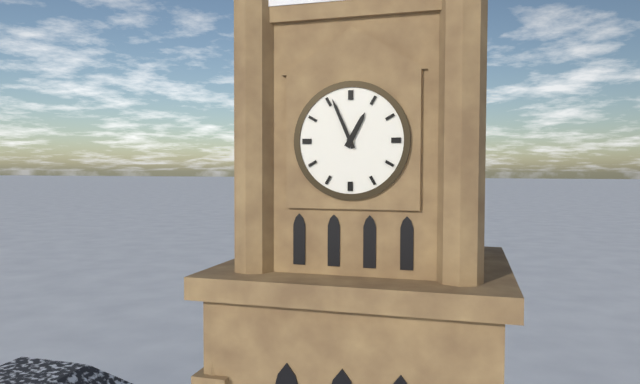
12:56
